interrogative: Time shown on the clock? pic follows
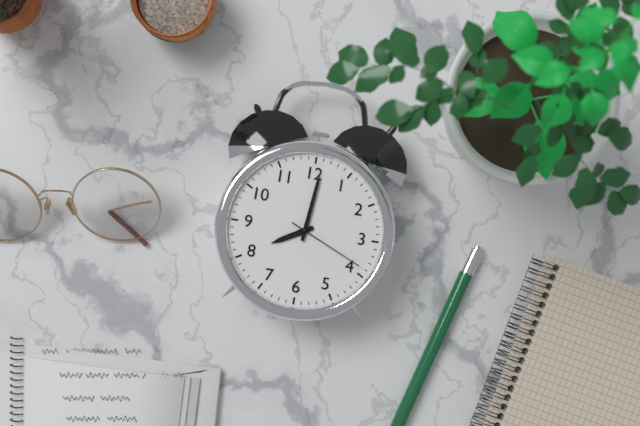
8:01:19
